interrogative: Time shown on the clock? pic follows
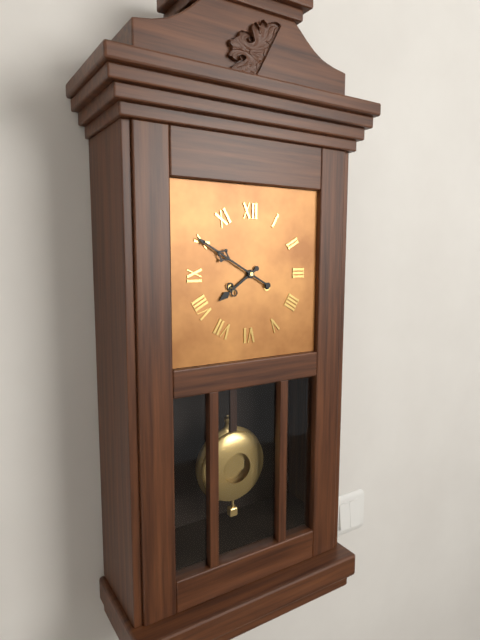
7:50
